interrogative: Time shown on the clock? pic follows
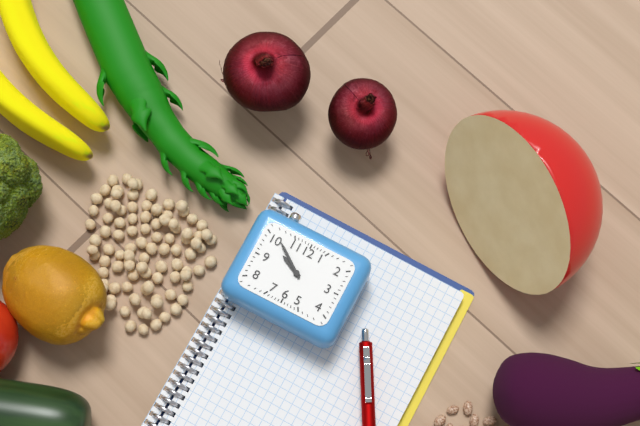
9:51
